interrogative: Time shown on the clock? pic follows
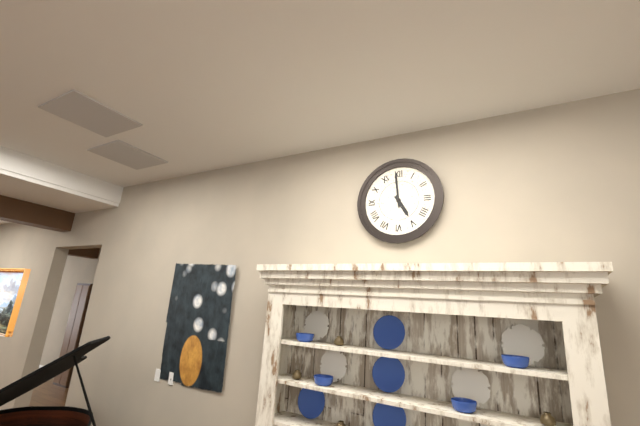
4:59
